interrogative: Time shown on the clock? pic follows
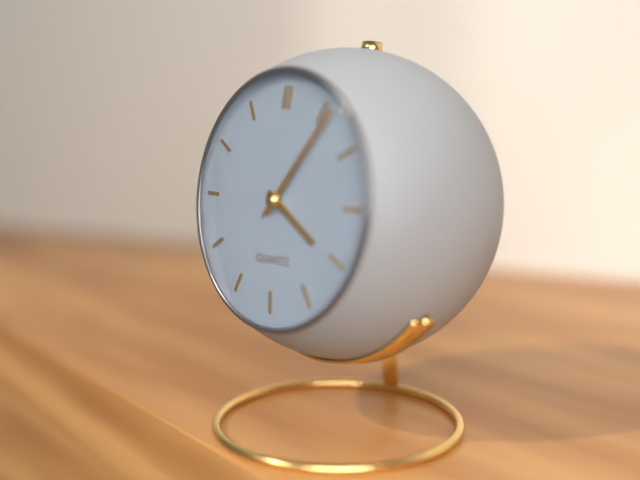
4:06:06
